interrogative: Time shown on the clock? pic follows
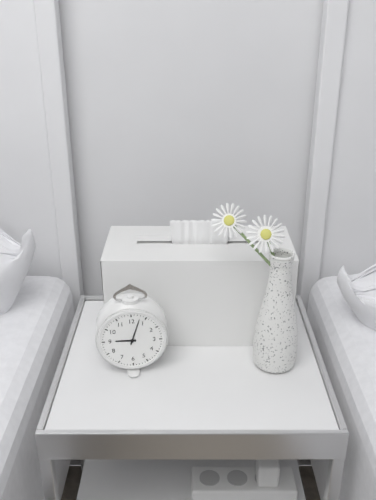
9:03
